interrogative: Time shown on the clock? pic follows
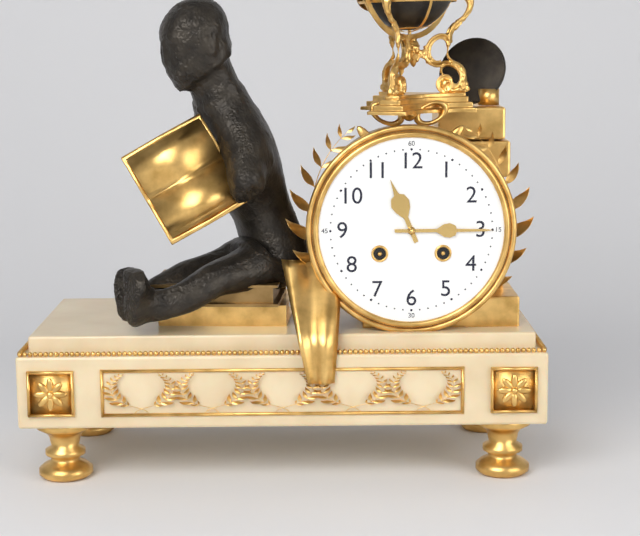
11:15
